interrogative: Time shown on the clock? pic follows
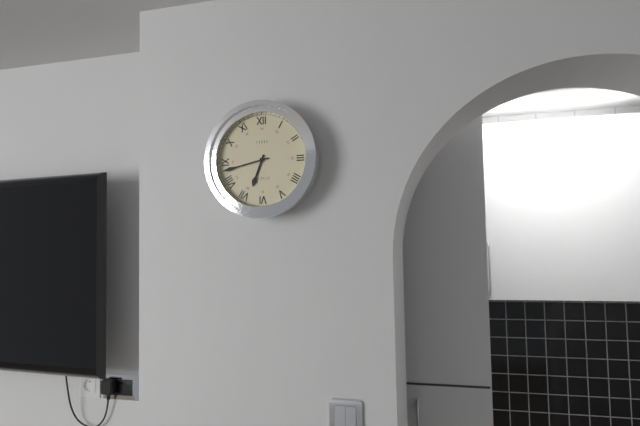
6:43
